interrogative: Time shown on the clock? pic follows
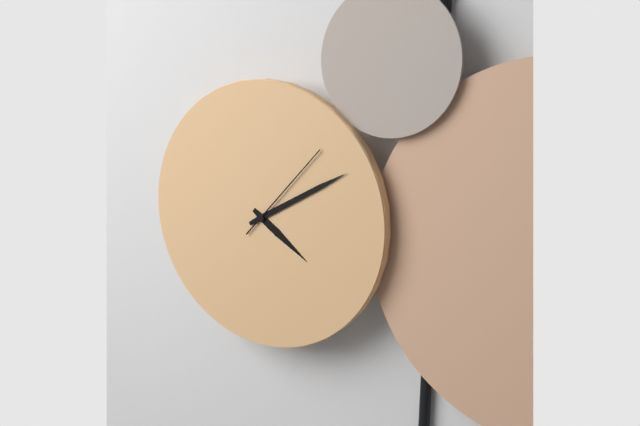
4:10:07
